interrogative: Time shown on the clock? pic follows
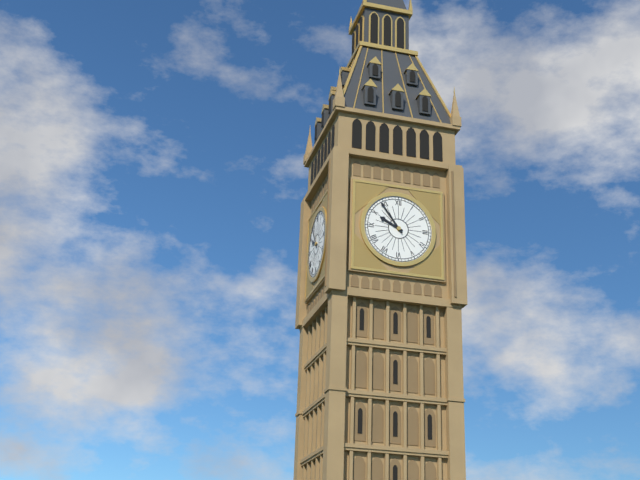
9:54
